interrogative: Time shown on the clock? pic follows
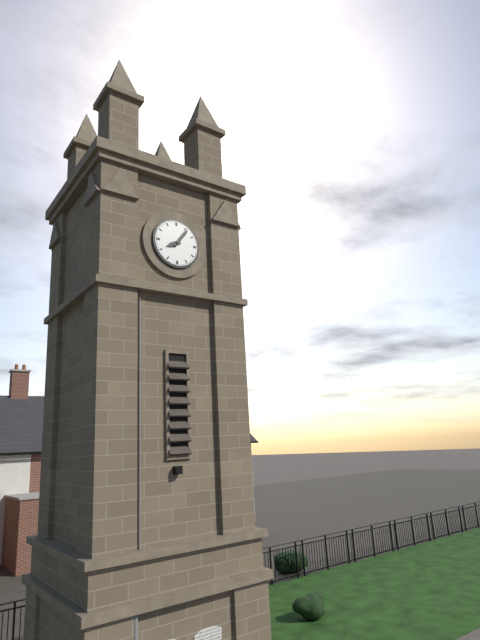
8:06
